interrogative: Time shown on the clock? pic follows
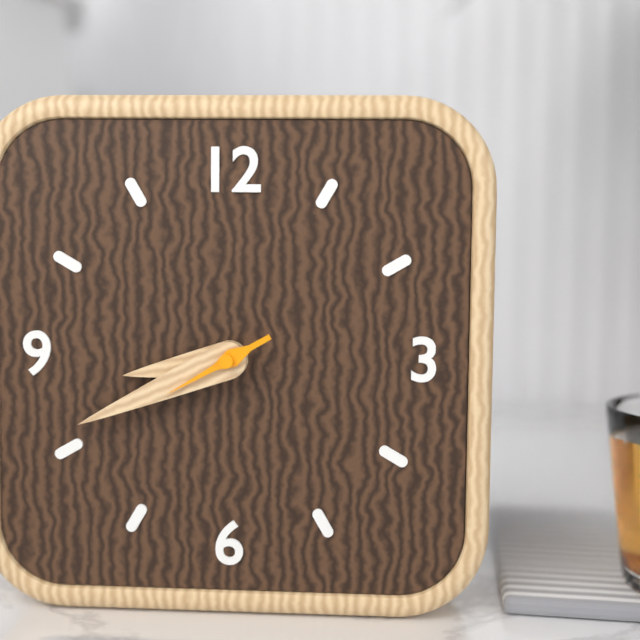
8:41:40
